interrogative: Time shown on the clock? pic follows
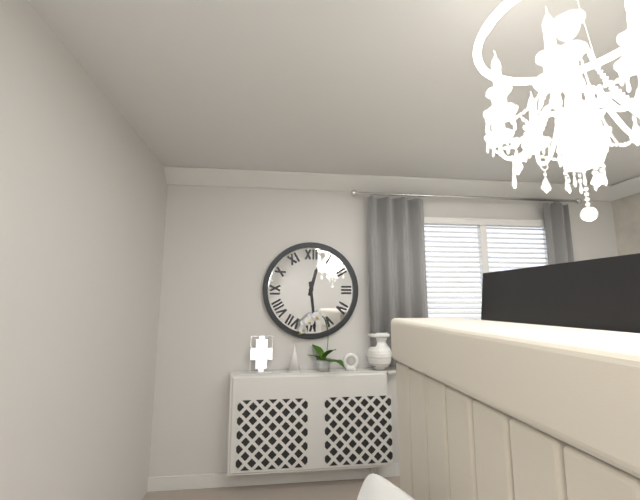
12:29
